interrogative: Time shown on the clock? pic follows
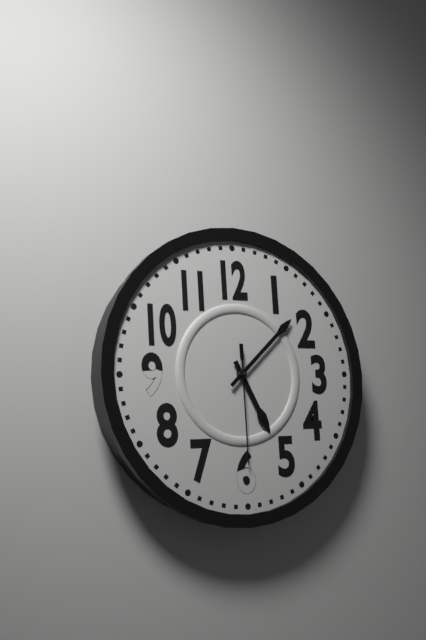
5:08:30
